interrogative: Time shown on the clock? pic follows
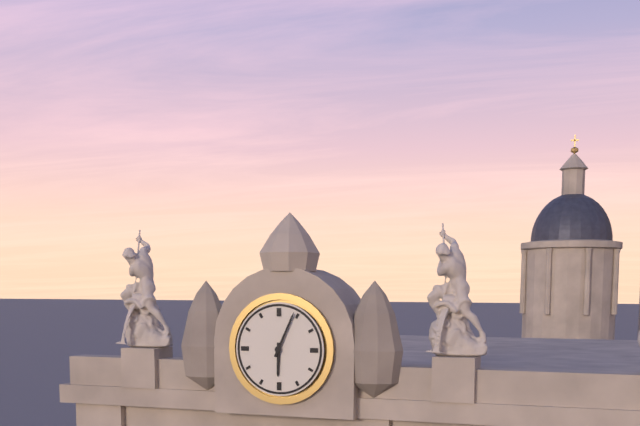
6:04
